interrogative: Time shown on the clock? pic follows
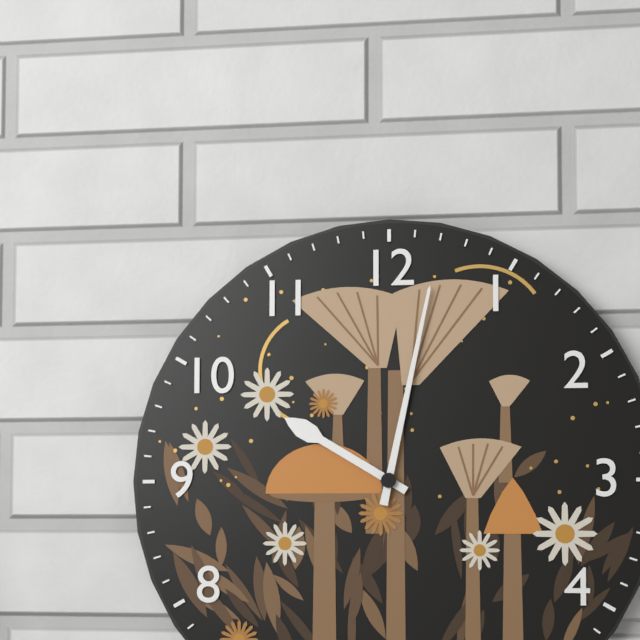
10:02
